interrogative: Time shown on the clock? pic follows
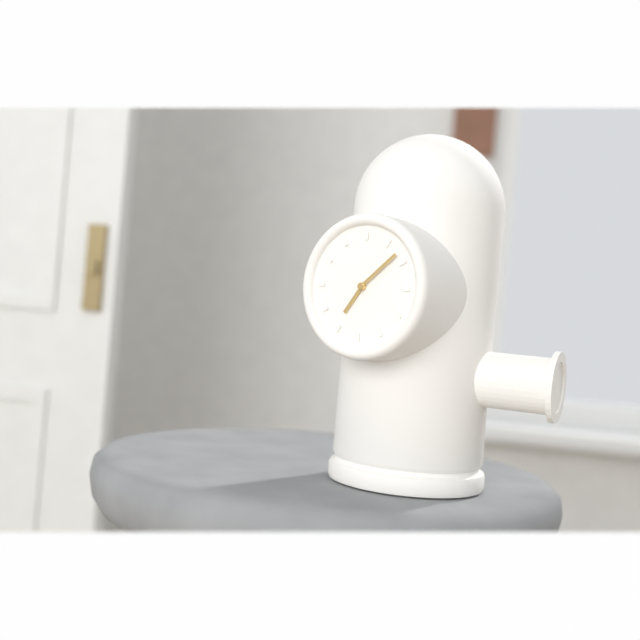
7:08
